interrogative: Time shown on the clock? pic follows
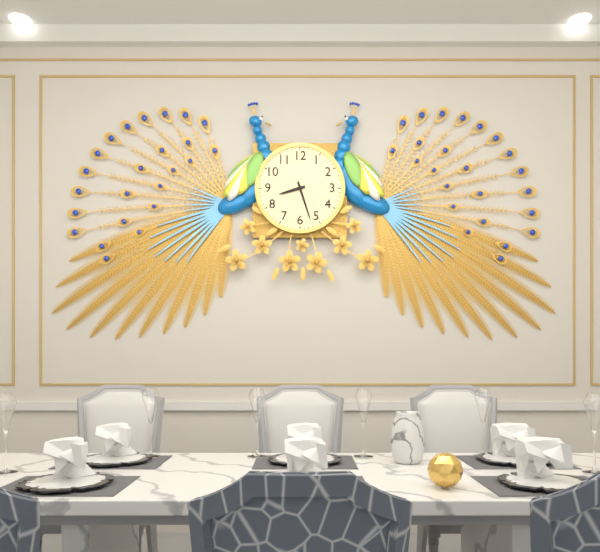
8:27
